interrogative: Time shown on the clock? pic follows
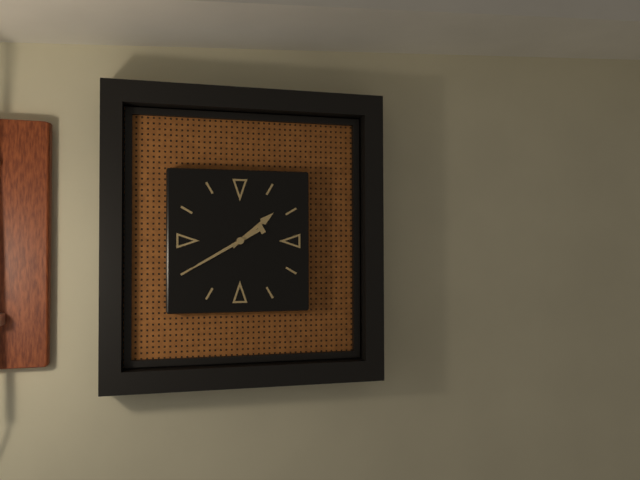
1:40
